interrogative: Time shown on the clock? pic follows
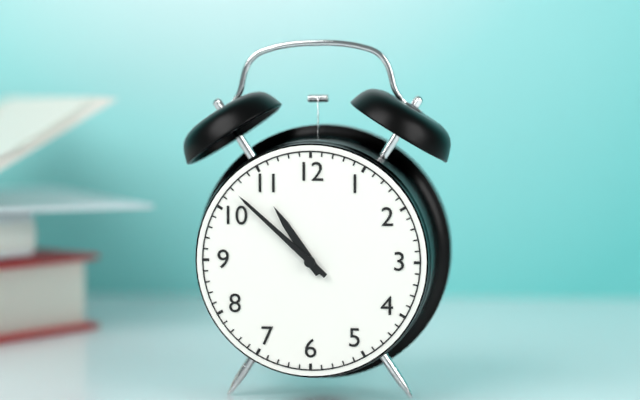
10:52
